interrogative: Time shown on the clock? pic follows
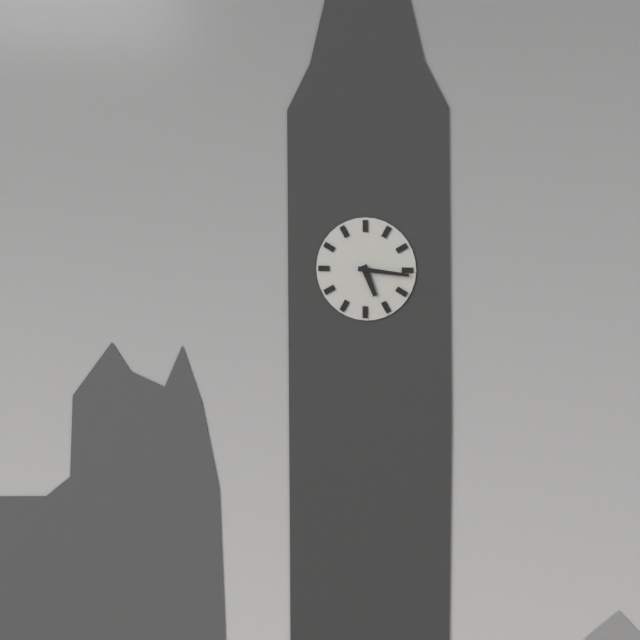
5:16
